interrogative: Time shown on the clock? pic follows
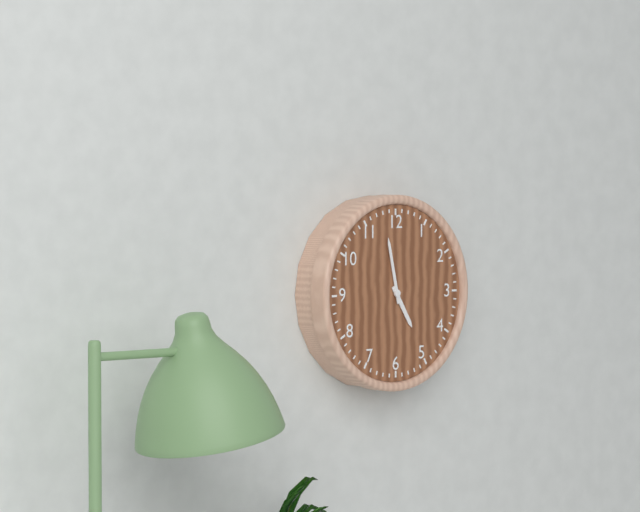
4:58
